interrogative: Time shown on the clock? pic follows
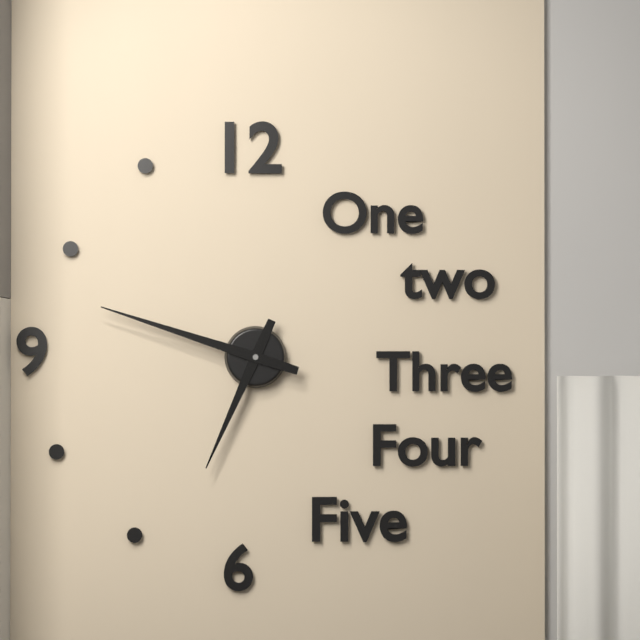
6:48
